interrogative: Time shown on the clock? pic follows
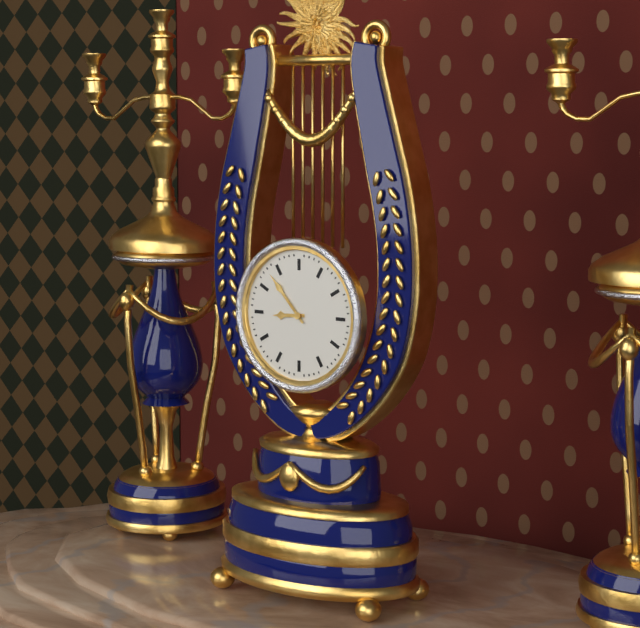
8:53
